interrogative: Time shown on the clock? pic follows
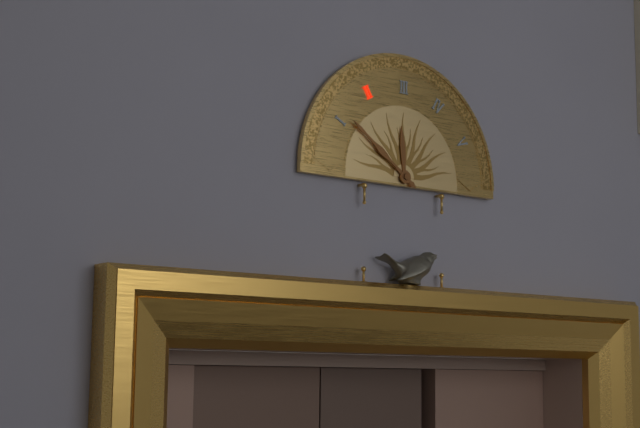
11:51
